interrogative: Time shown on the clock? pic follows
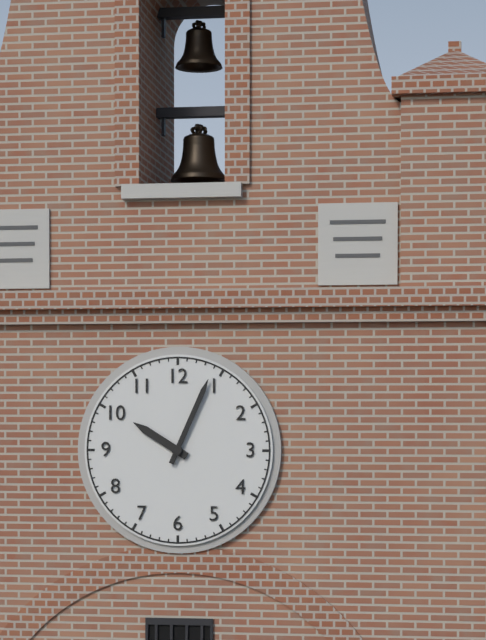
10:04
